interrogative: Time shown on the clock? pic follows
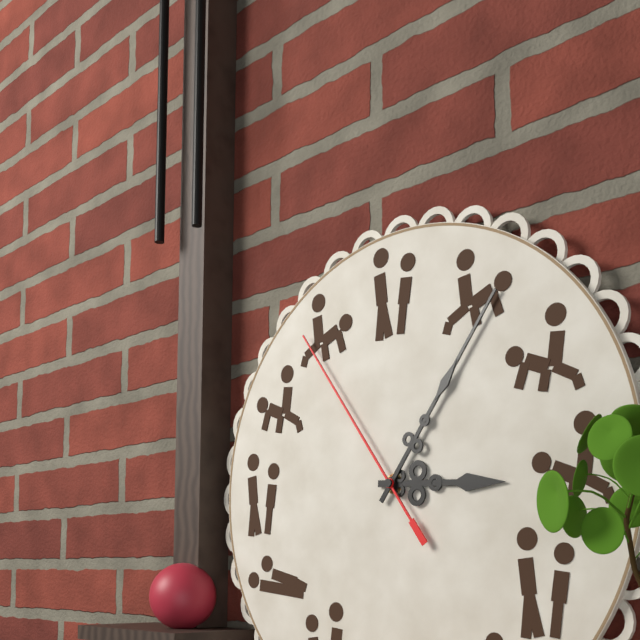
3:06:54
